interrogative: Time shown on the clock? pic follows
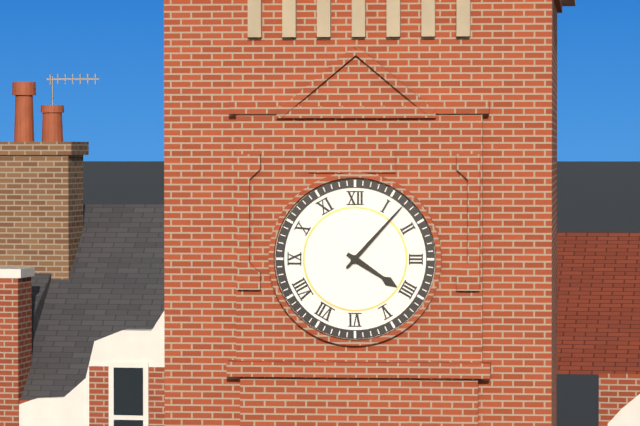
4:07
